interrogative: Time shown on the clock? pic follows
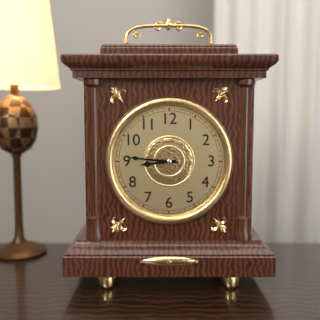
8:46
